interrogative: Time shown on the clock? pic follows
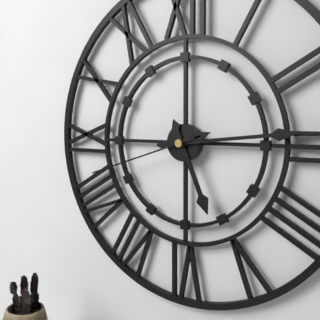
5:14:42
